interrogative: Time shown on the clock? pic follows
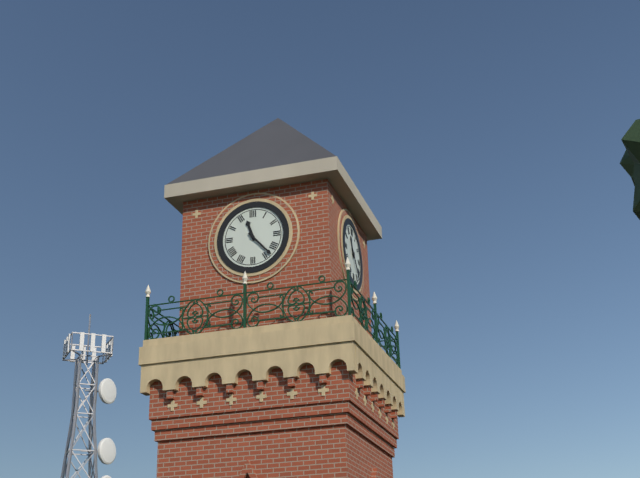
11:23
